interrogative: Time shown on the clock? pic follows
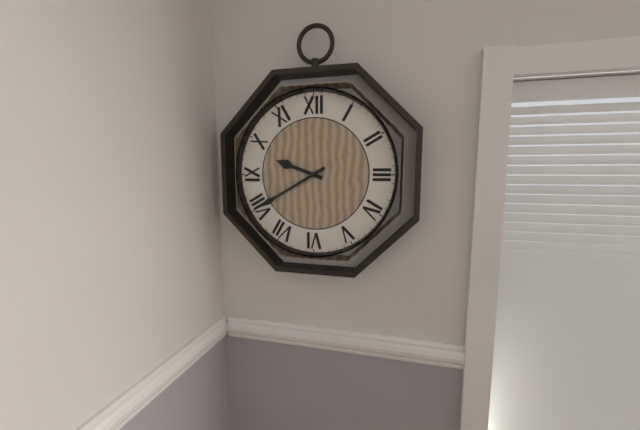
9:40
